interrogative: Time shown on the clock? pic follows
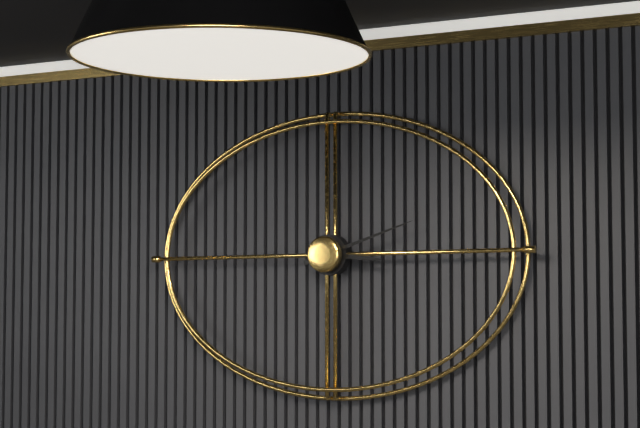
3:12
